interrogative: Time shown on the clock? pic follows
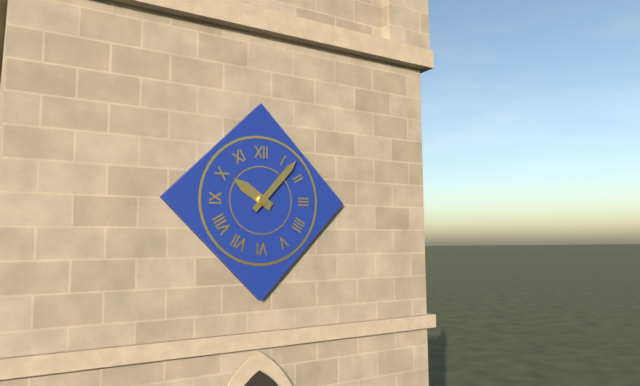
10:07
